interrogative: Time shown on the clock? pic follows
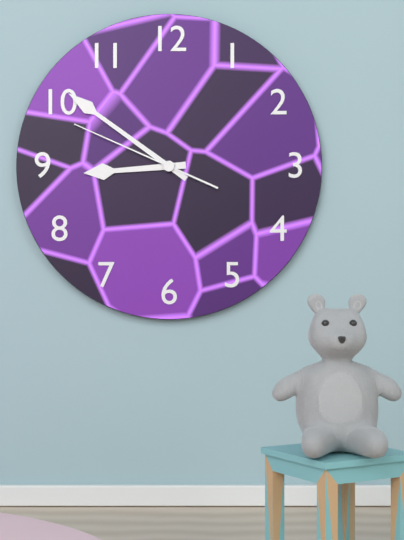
8:51:49
